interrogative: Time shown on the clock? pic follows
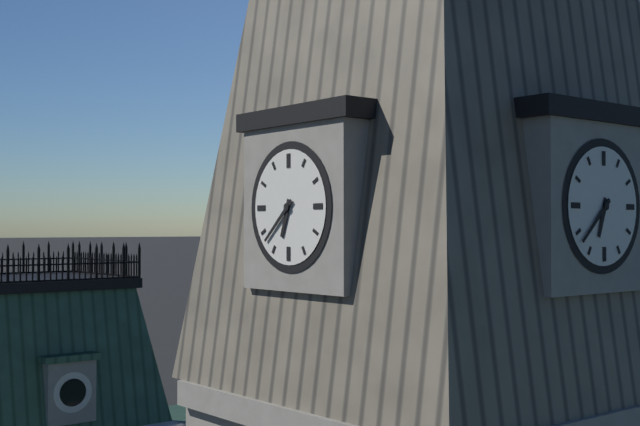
6:38
